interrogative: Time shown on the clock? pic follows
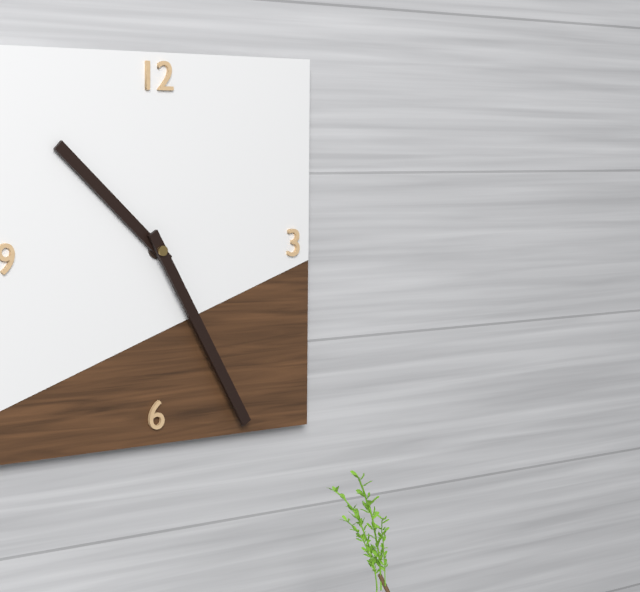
10:25
